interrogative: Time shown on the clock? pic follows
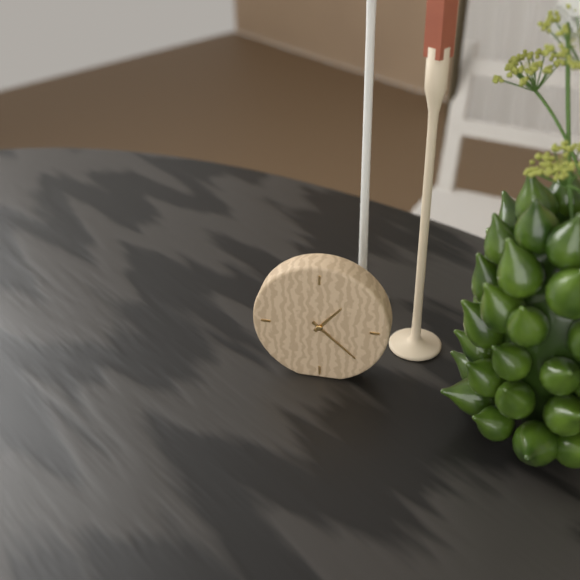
1:22
